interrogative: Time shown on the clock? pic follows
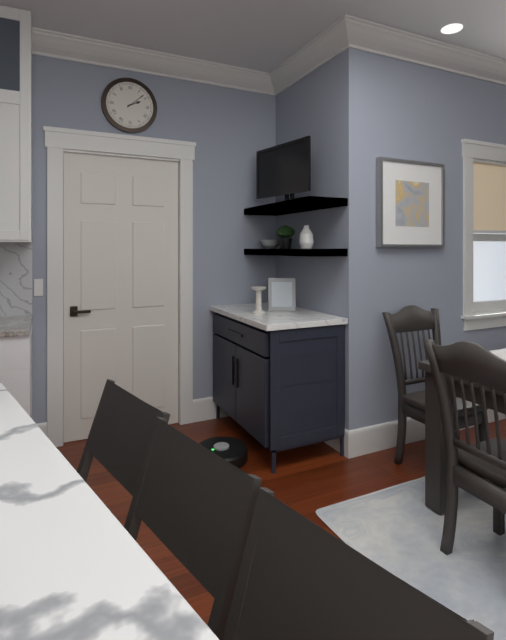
2:08
